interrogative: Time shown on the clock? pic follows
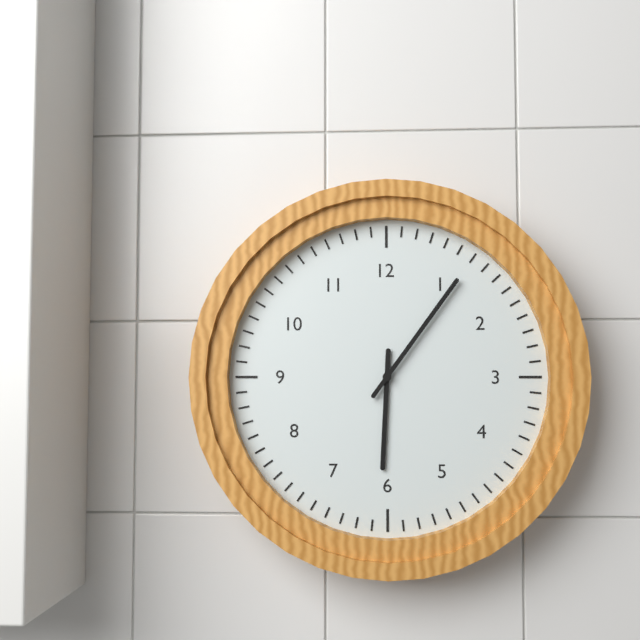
6:06
